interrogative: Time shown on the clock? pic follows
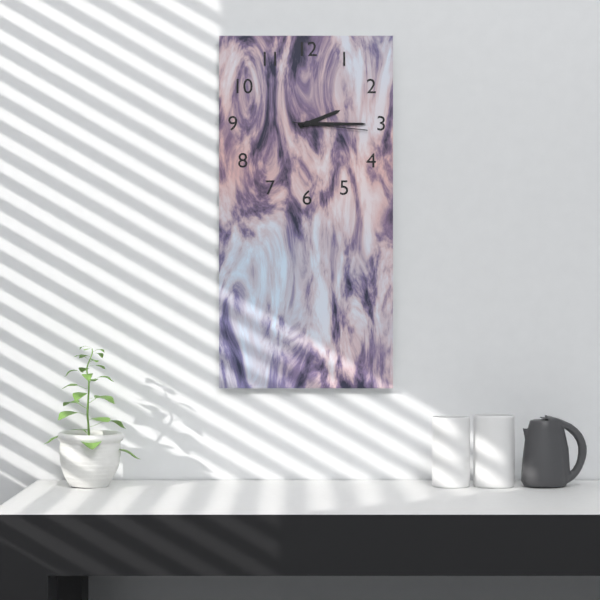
2:15:16
